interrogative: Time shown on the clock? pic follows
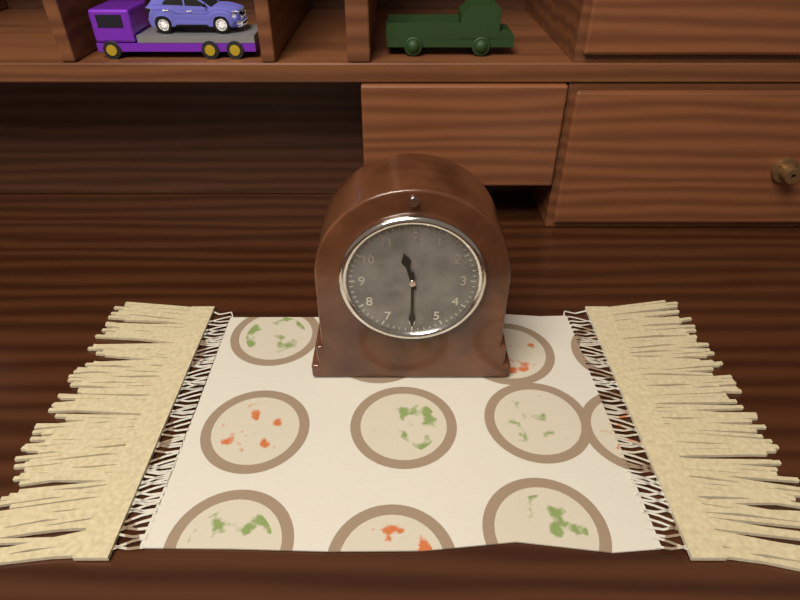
11:30
